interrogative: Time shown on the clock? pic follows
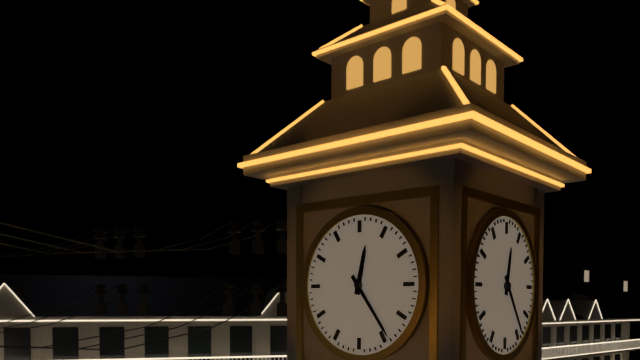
12:24
